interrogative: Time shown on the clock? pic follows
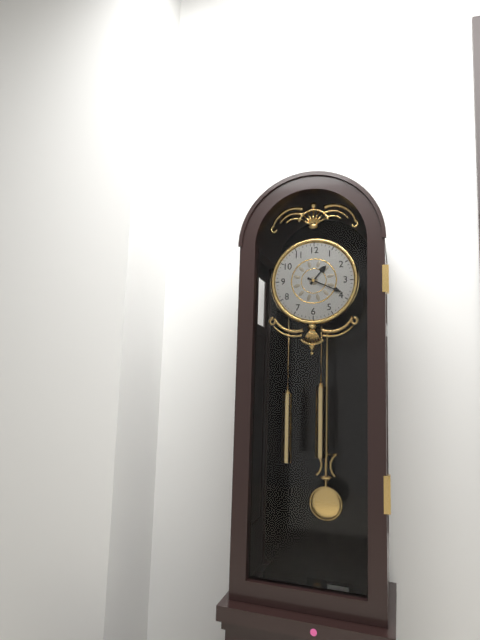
1:19
